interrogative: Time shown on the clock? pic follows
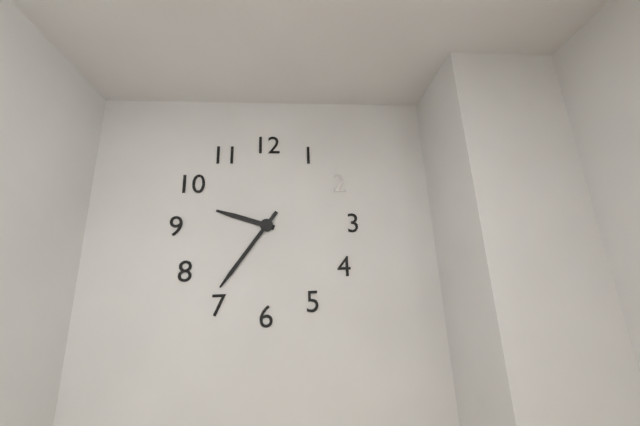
9:36
